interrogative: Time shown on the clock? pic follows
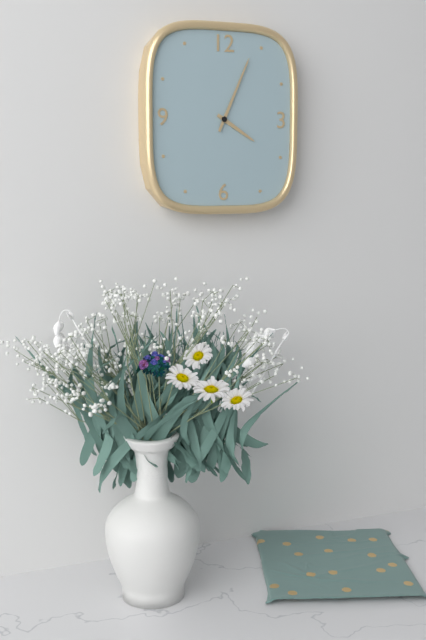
4:04
